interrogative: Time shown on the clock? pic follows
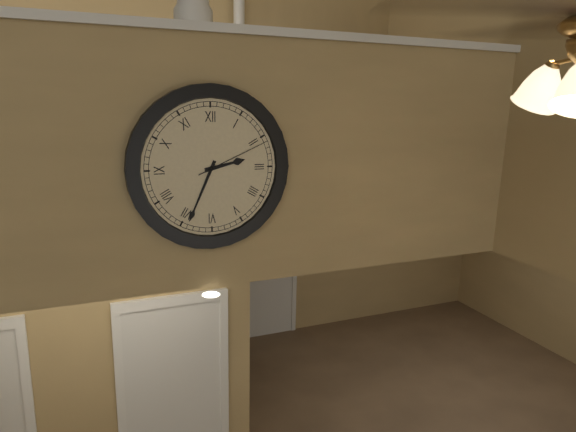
2:34:11
